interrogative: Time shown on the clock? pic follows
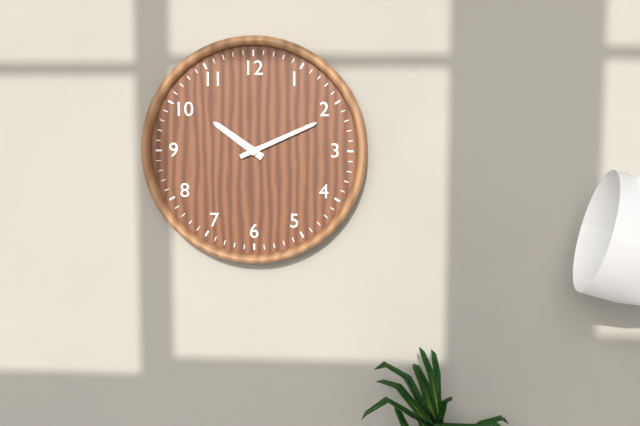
10:11
